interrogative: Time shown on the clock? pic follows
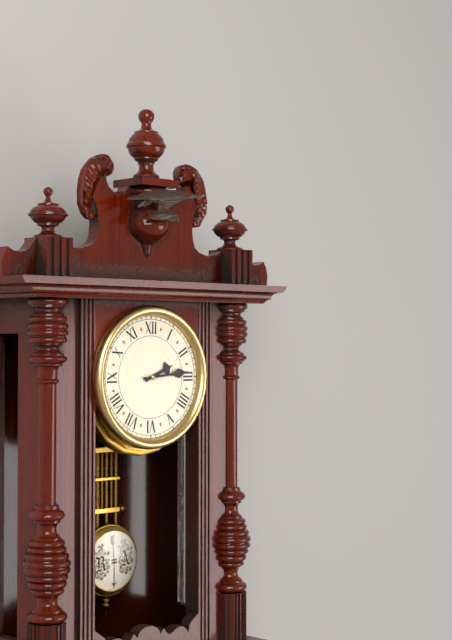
2:14
